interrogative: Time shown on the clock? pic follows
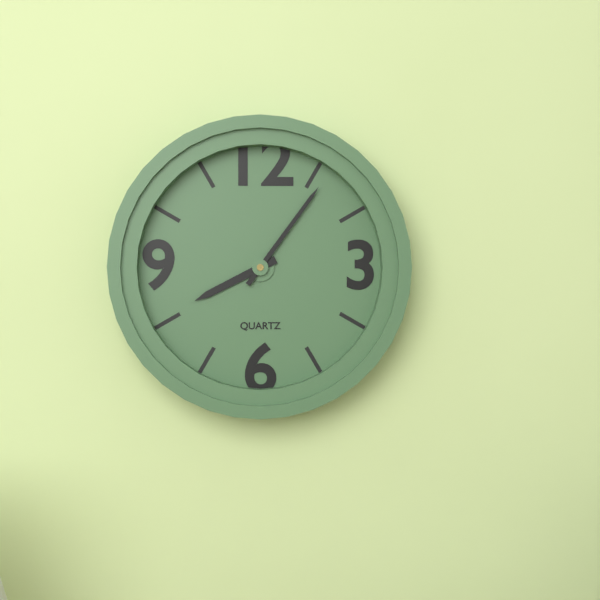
8:06
